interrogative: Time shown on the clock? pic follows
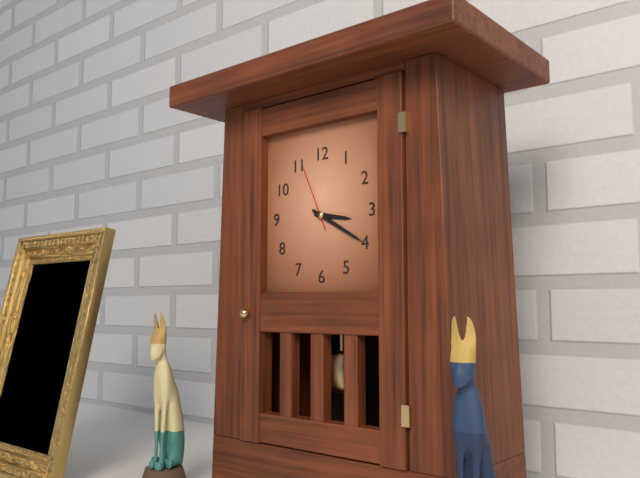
3:20:56
